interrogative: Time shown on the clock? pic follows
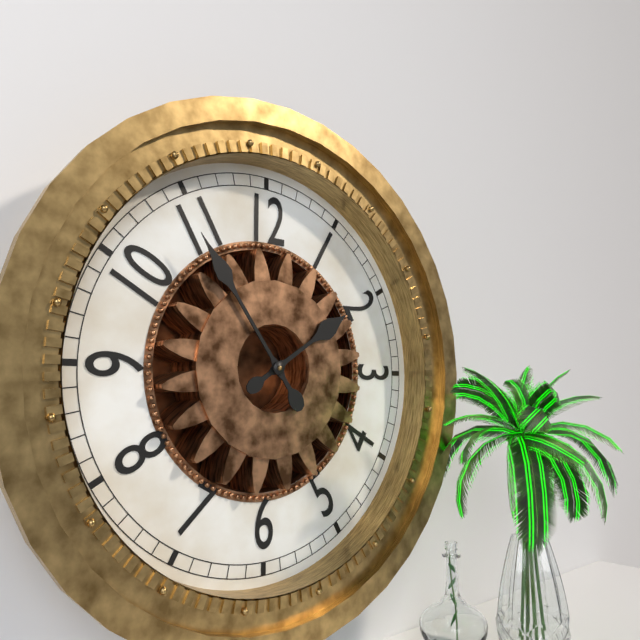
1:54
